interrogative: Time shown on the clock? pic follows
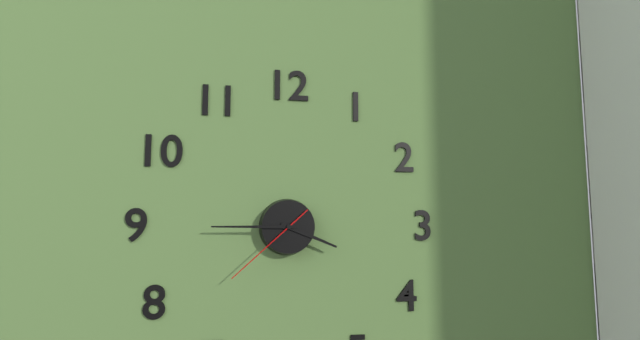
3:45:38
